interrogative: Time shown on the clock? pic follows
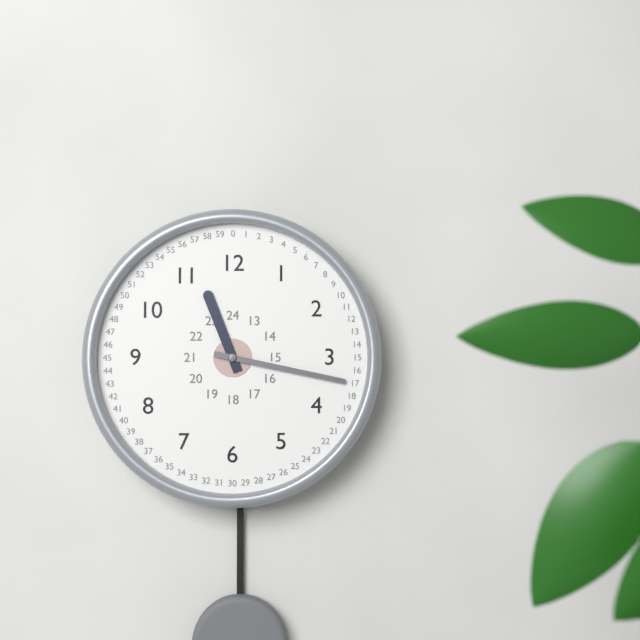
11:17
